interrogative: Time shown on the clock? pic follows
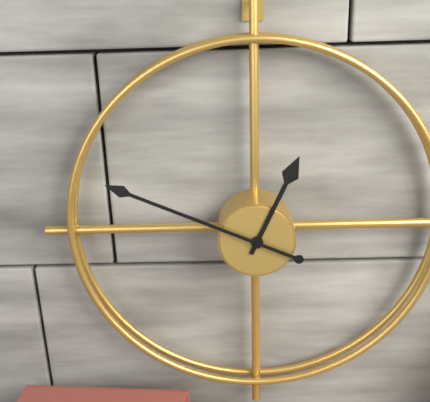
12:49
